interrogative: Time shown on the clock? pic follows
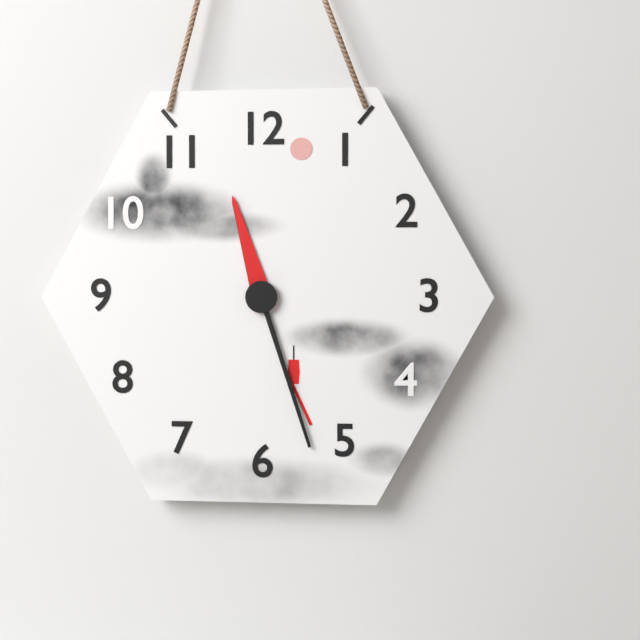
11:27
